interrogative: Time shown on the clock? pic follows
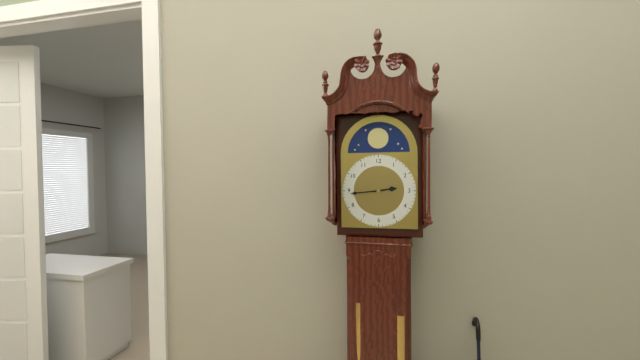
2:44
